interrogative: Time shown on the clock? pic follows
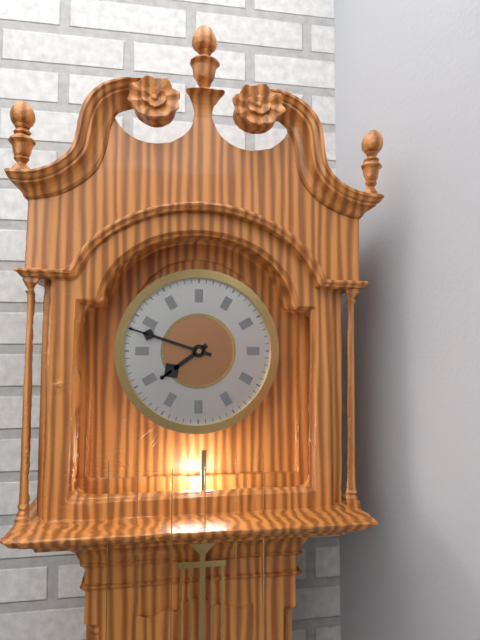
7:48
